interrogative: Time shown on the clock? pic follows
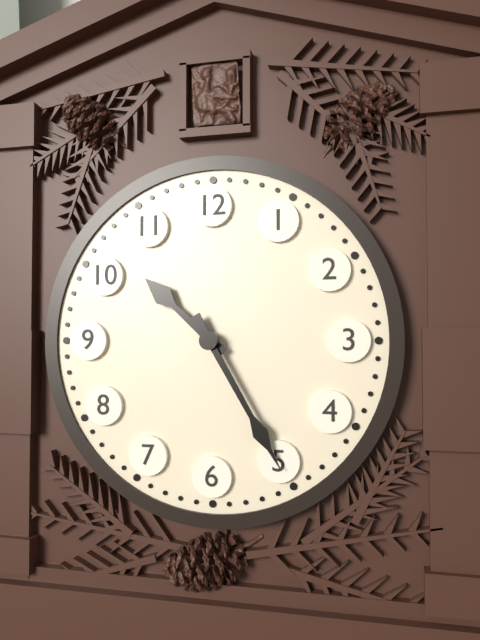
10:25
